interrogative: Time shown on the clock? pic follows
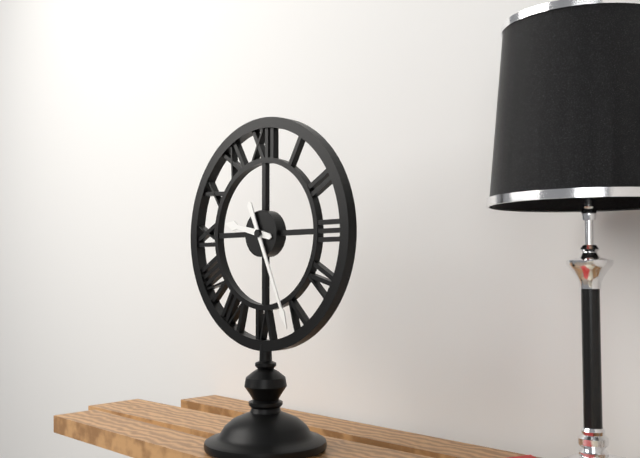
9:26
